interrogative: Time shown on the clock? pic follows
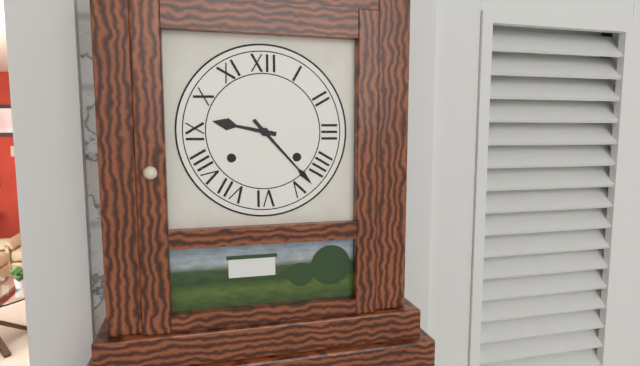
9:23
